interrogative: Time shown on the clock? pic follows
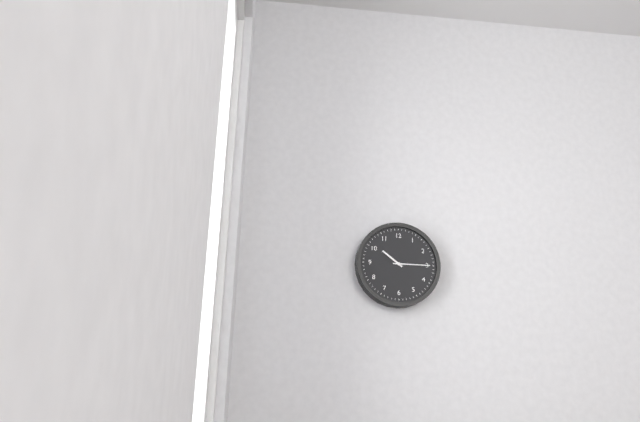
10:15
